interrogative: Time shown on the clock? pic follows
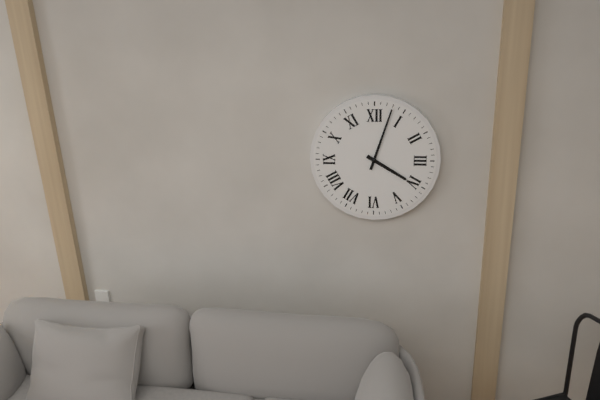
4:03
